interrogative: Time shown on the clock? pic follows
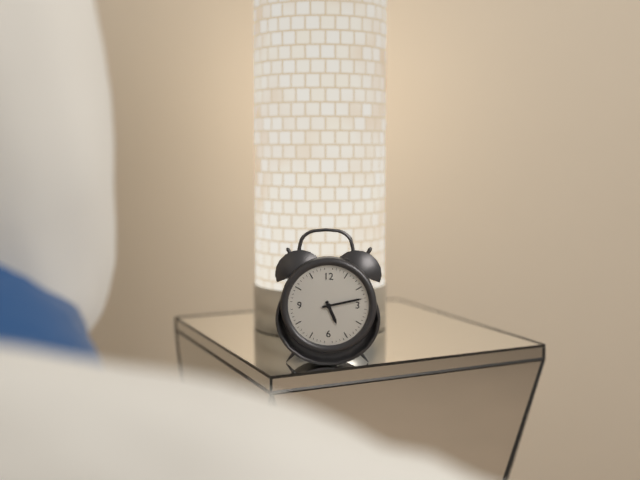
5:13
